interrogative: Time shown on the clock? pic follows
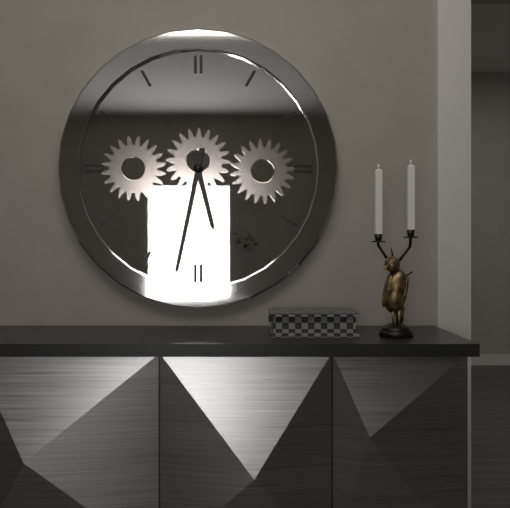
5:32
